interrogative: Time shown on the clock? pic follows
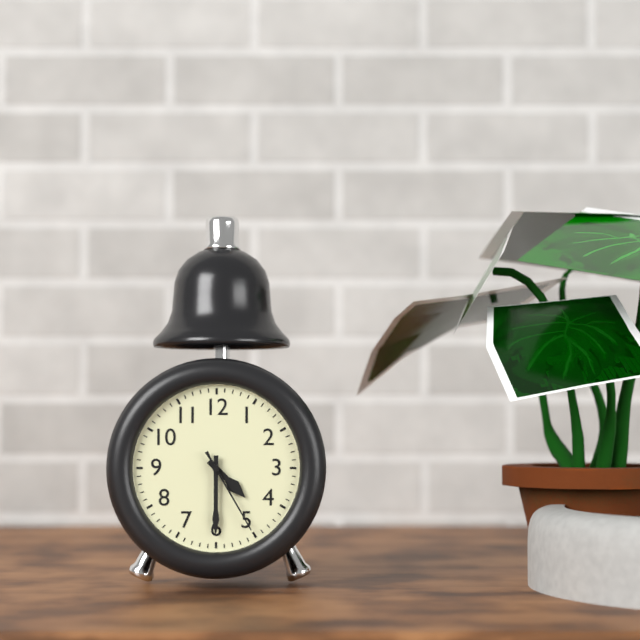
4:30:25
